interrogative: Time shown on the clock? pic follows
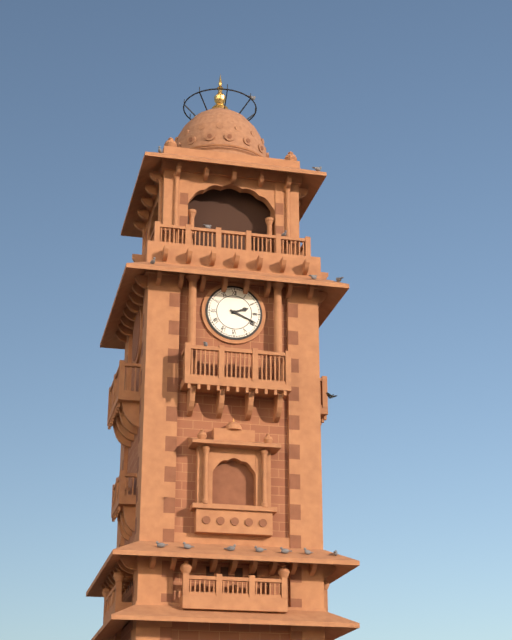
2:19
